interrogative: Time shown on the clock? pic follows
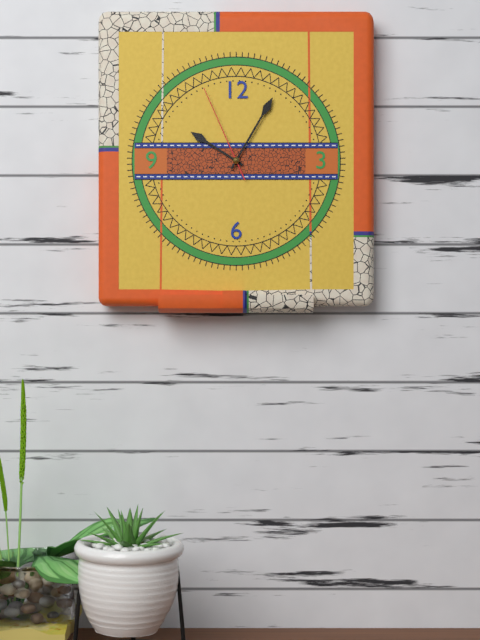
10:05:56
